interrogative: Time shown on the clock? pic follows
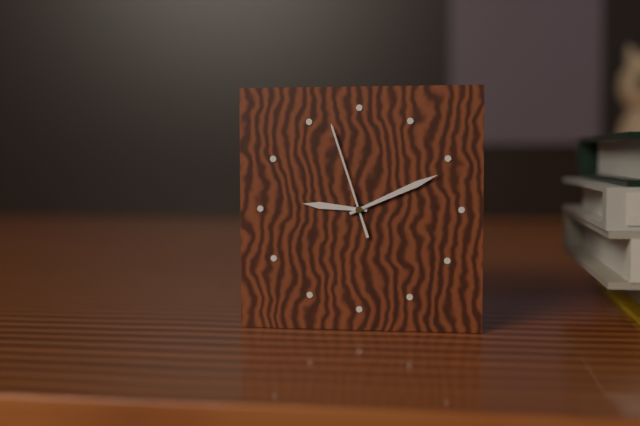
9:11:57
